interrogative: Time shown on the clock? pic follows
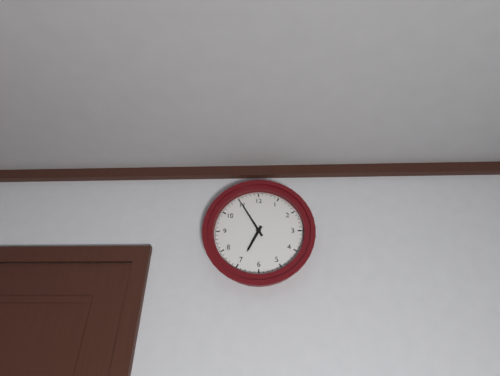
6:55
